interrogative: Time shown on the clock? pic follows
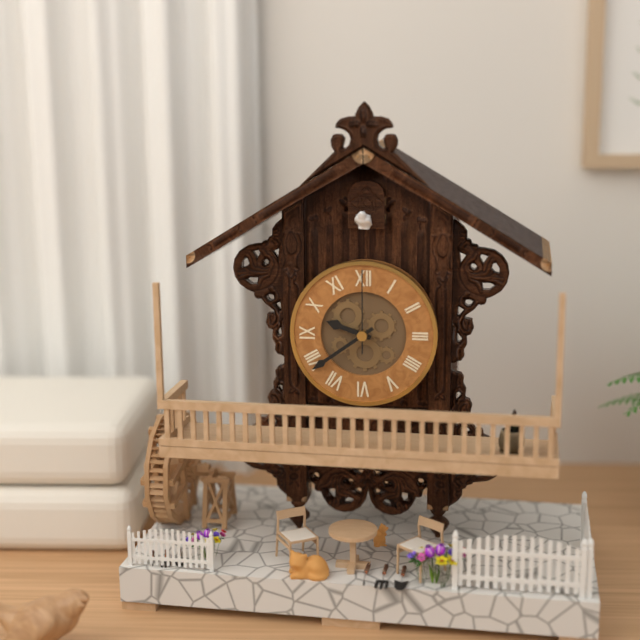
9:39:00
